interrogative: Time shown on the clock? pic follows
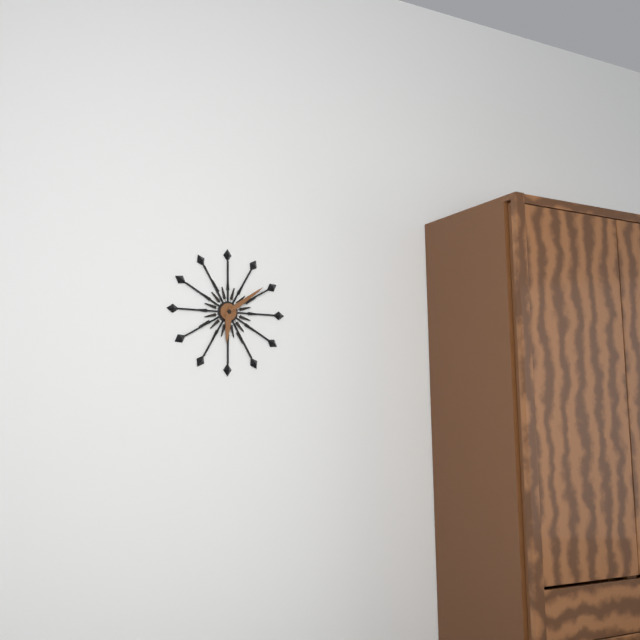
6:09
